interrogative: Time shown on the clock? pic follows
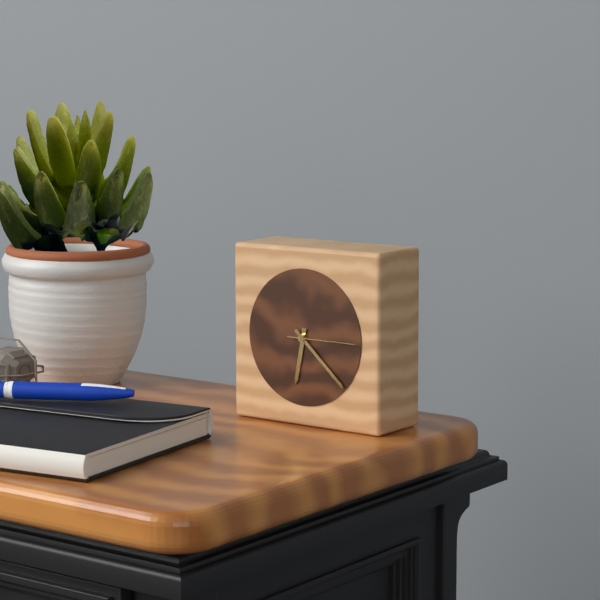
6:22
